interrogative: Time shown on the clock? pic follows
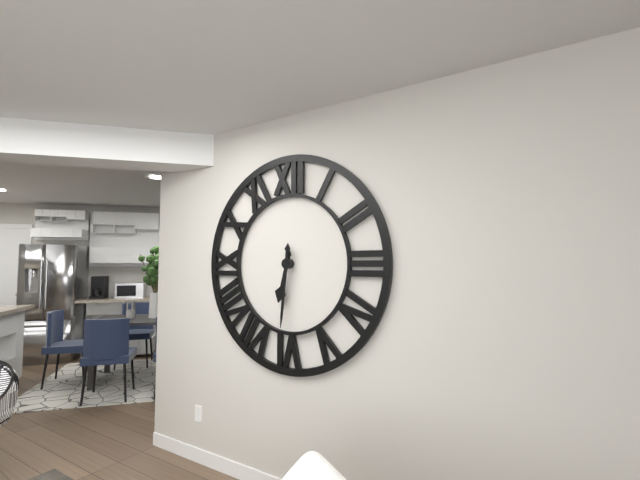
6:31
